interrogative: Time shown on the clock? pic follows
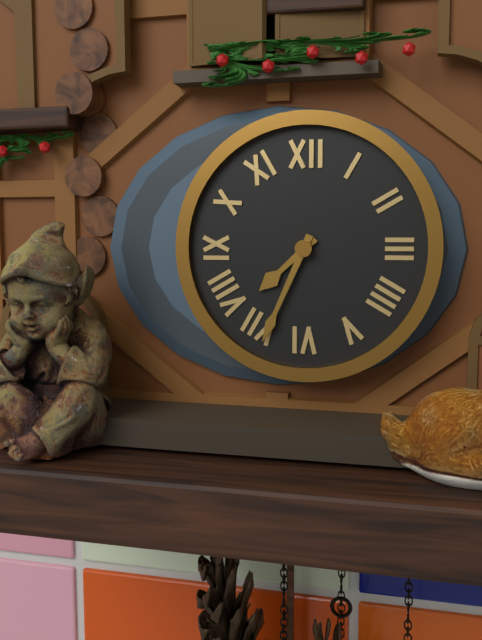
7:34
